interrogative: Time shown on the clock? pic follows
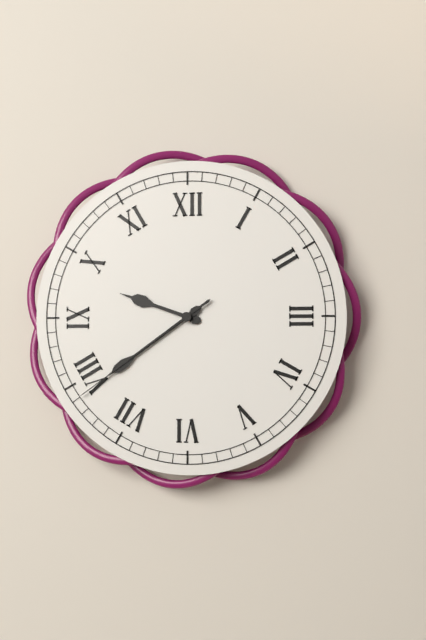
9:39:39
